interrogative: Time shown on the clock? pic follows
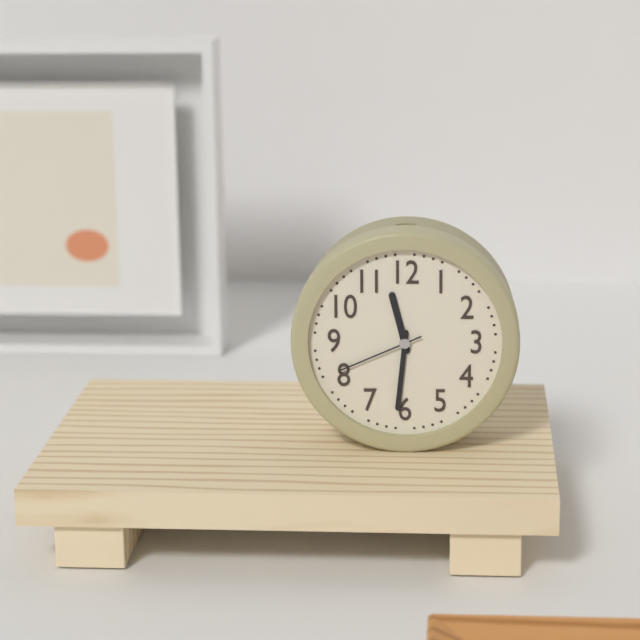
11:31:41
